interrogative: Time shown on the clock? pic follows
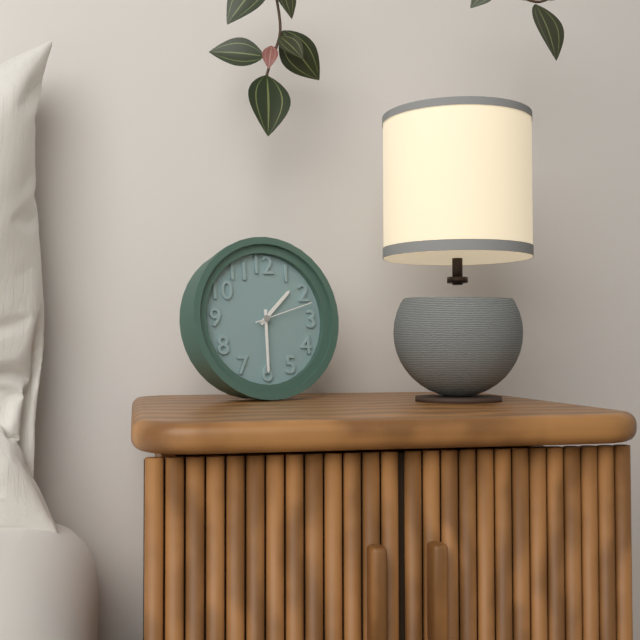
1:30:12
